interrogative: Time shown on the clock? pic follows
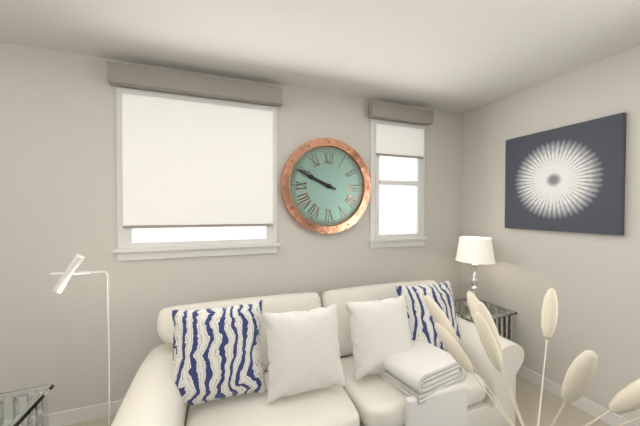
9:49
